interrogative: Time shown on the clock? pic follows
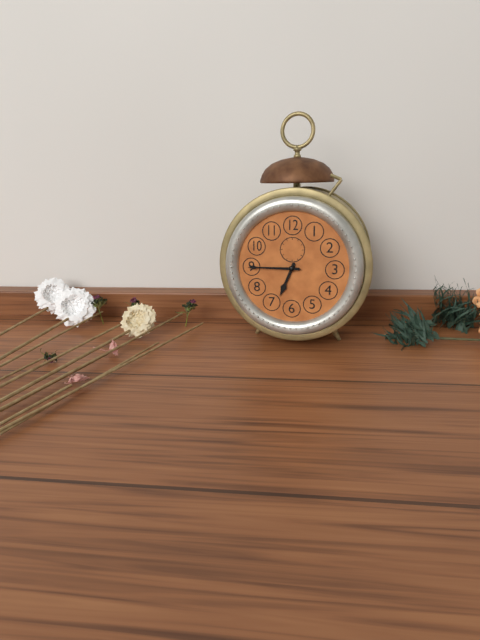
6:45
